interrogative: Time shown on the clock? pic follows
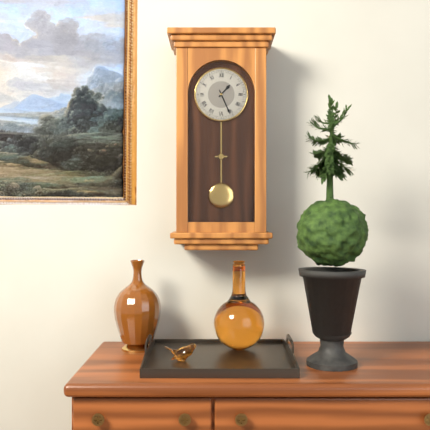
1:26
